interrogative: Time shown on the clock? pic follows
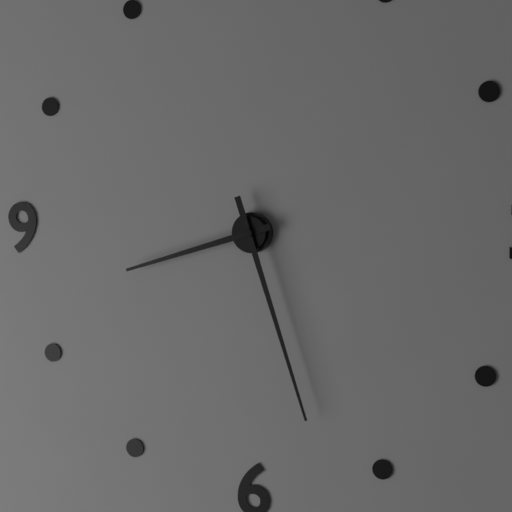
8:27
